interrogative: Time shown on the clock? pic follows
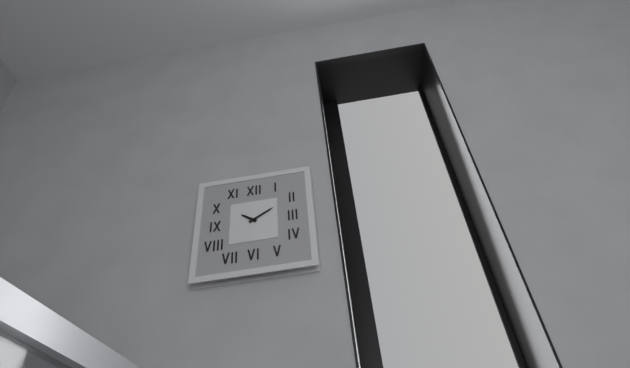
10:10
